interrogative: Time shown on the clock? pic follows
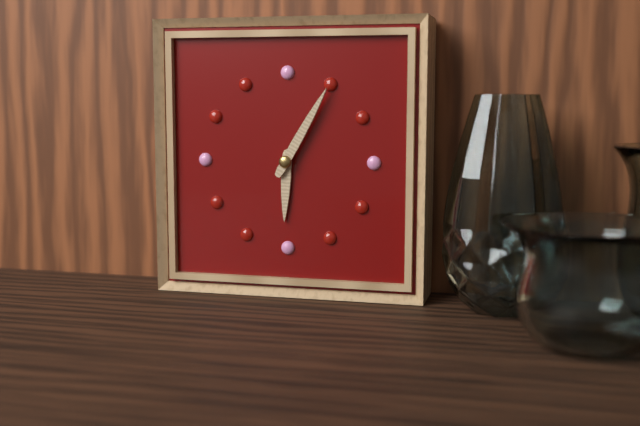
6:05
